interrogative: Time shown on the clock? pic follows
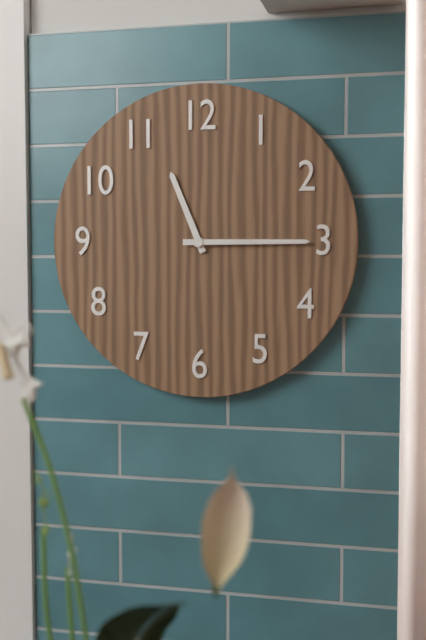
11:15
